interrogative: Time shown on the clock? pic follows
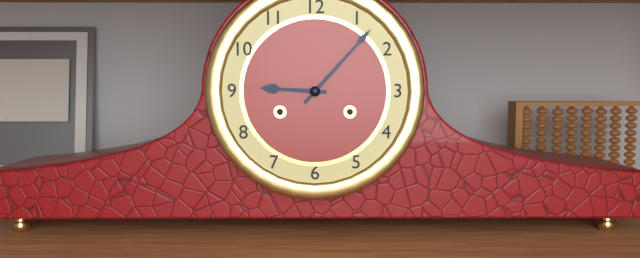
9:07
